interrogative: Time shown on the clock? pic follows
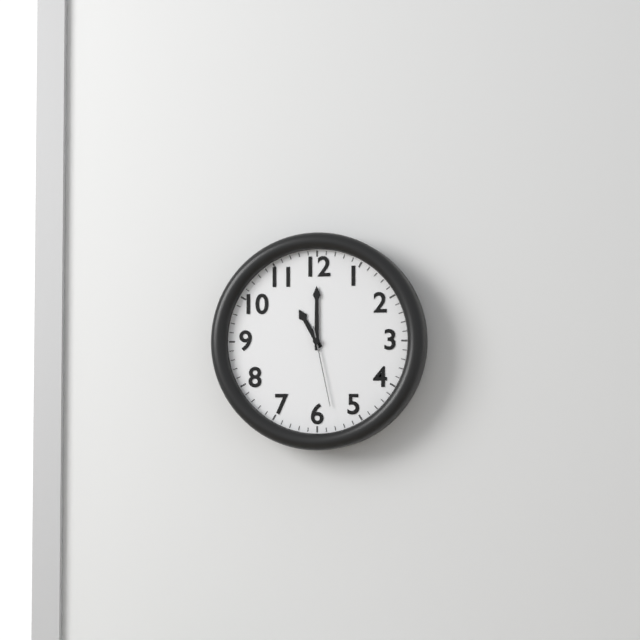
11:00:28
